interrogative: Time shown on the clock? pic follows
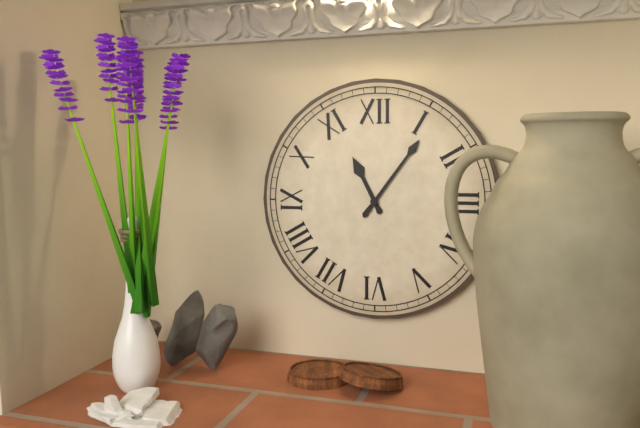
11:06
